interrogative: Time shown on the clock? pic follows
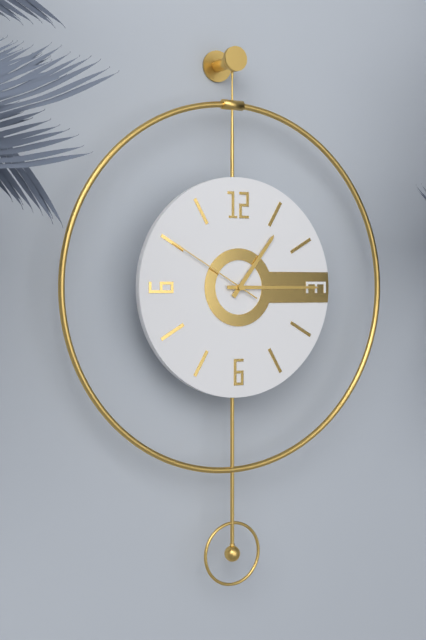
1:15:50
